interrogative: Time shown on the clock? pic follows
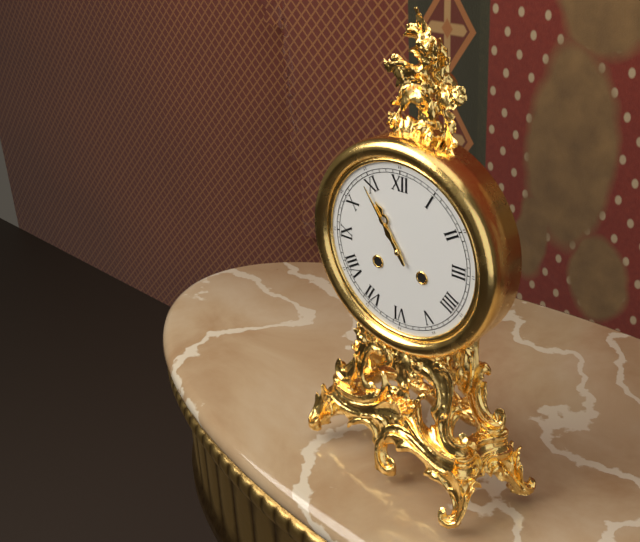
10:54
